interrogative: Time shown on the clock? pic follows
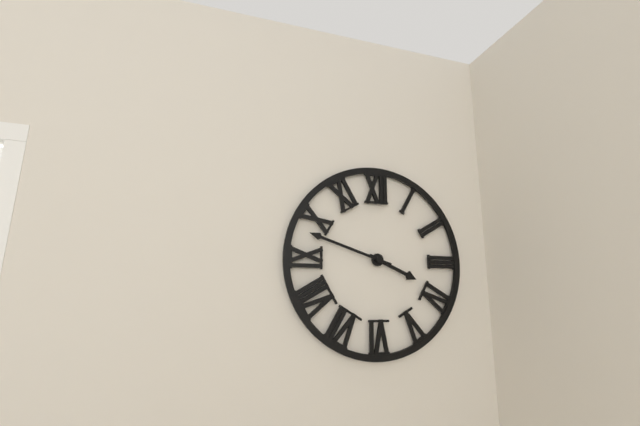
3:48
